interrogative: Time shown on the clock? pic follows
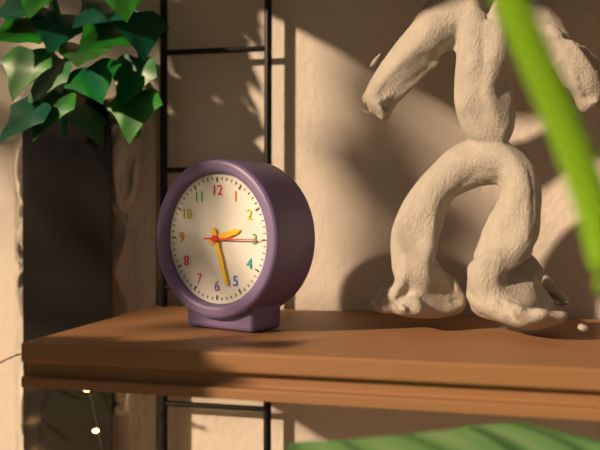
2:27
